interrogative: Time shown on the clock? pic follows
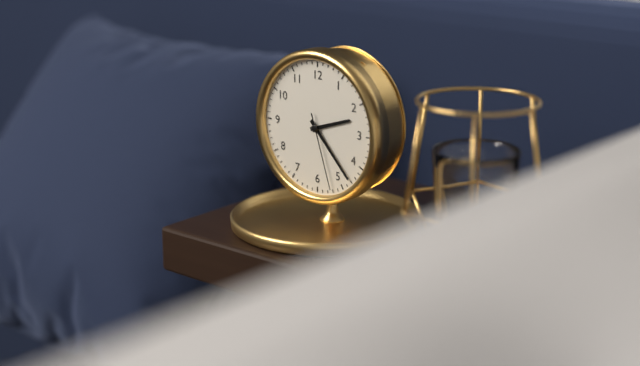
2:23:27
